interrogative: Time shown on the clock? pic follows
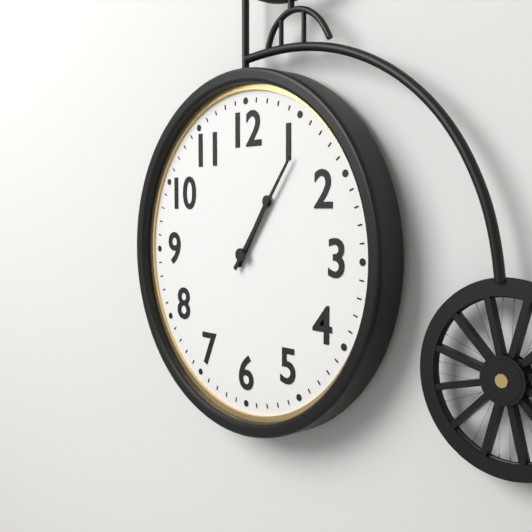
1:06
